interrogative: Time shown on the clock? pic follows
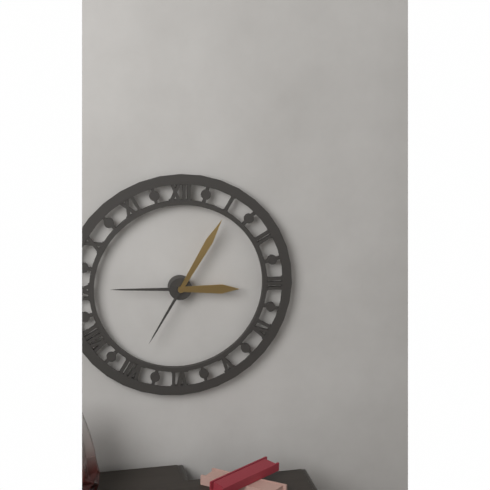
3:05
